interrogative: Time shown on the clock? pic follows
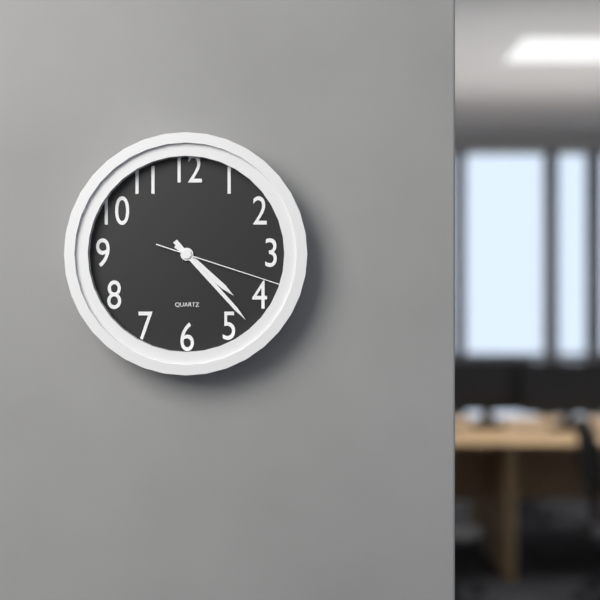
4:23:18
